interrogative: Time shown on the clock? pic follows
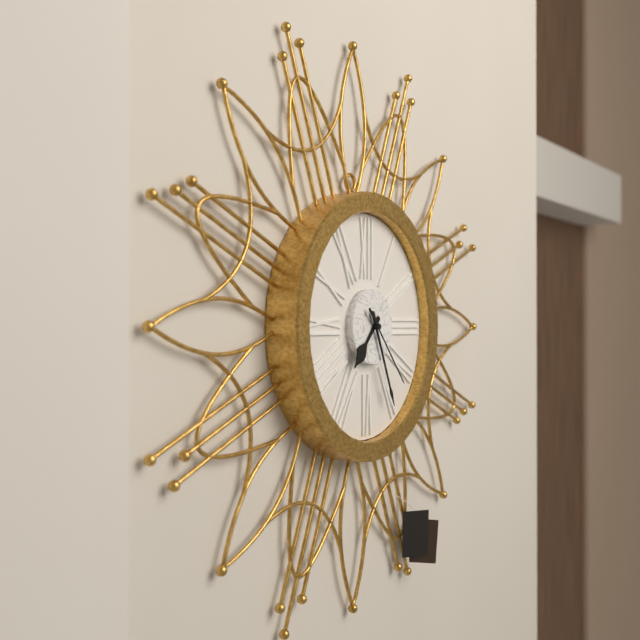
7:26:23
